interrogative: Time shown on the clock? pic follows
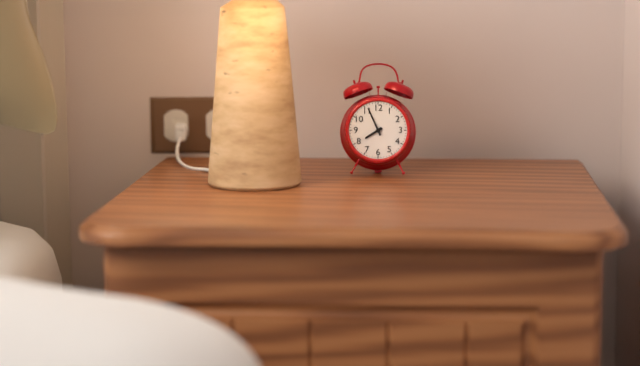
7:56
